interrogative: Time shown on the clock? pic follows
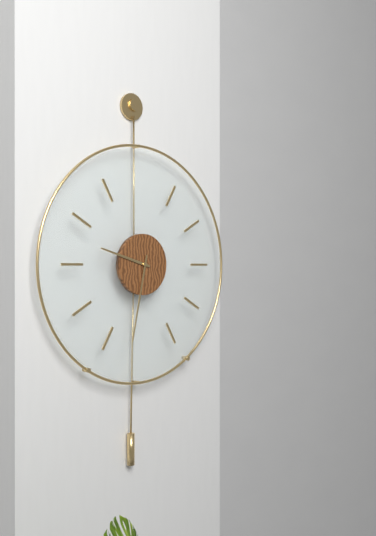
9:32
